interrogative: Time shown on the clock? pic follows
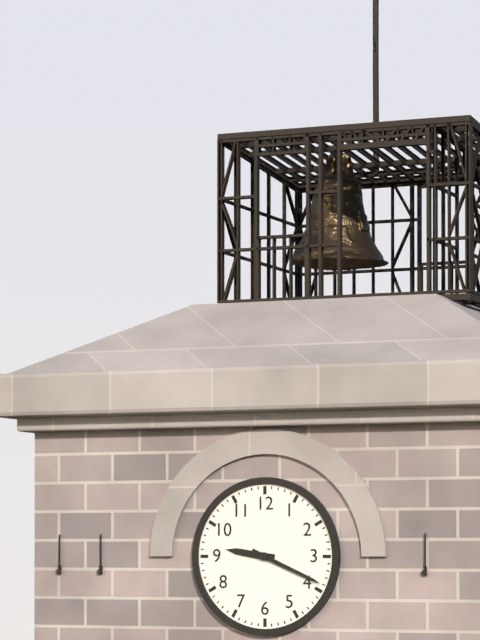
9:19
